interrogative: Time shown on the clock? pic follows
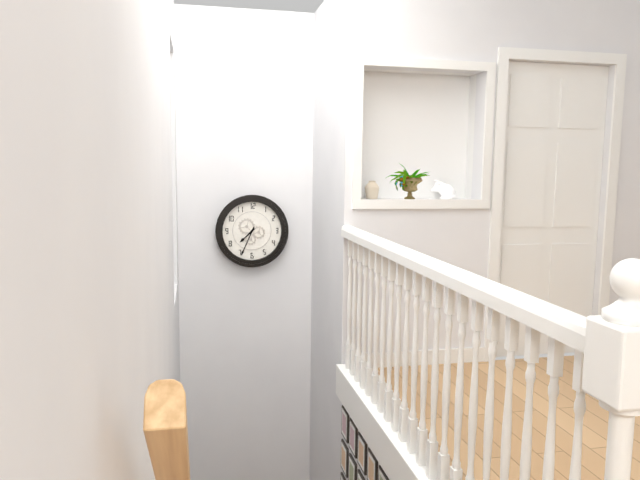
7:34
